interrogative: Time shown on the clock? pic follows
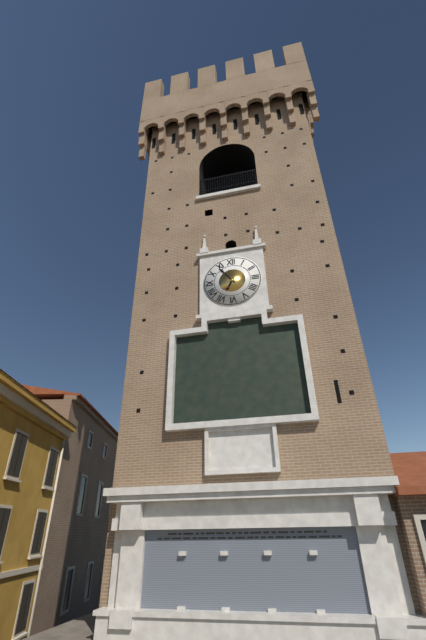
6:54
